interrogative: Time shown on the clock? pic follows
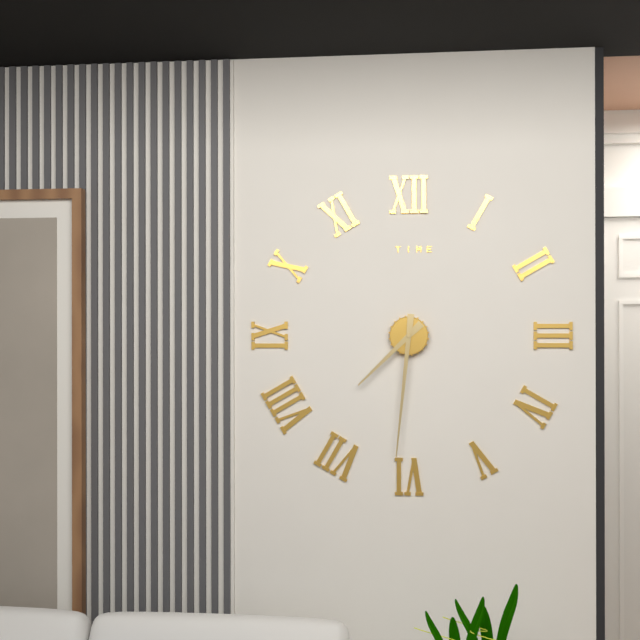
7:31
